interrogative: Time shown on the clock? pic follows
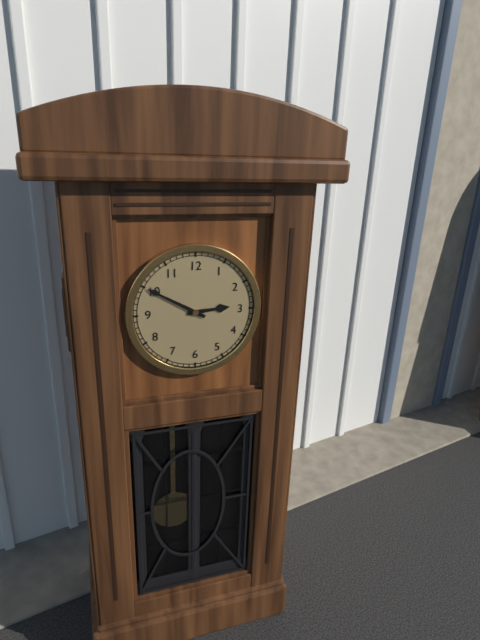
2:50
